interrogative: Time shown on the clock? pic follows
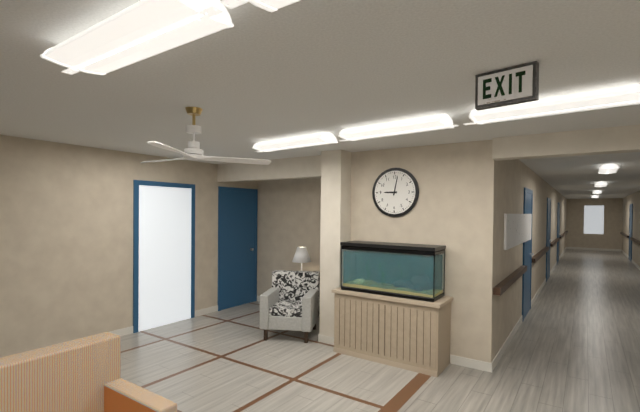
9:02
